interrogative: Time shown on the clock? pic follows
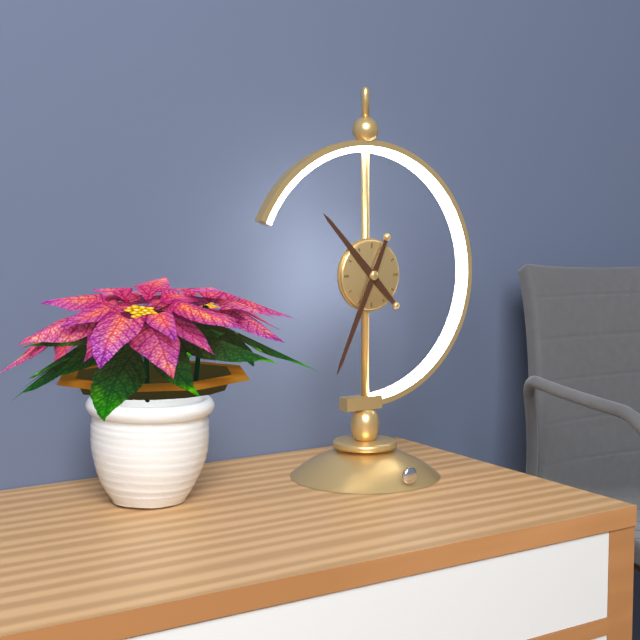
10:34
